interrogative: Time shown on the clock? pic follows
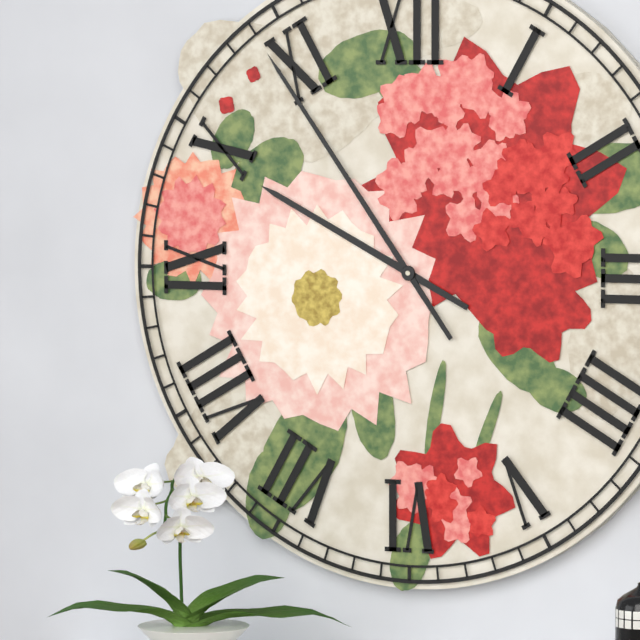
9:54
